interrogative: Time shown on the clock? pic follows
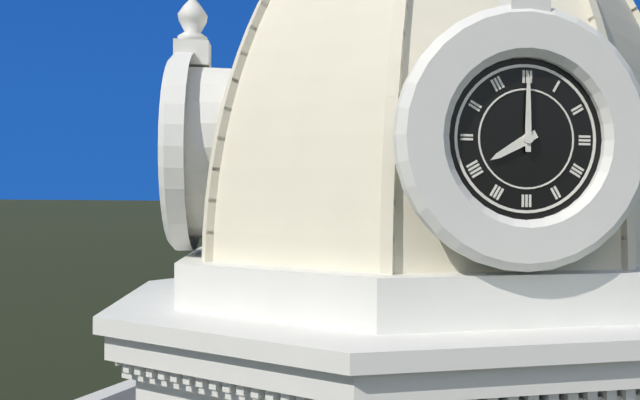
8:00
